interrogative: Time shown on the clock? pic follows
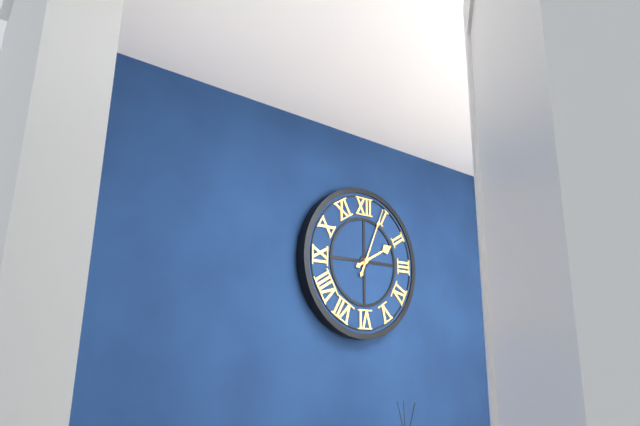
2:04
